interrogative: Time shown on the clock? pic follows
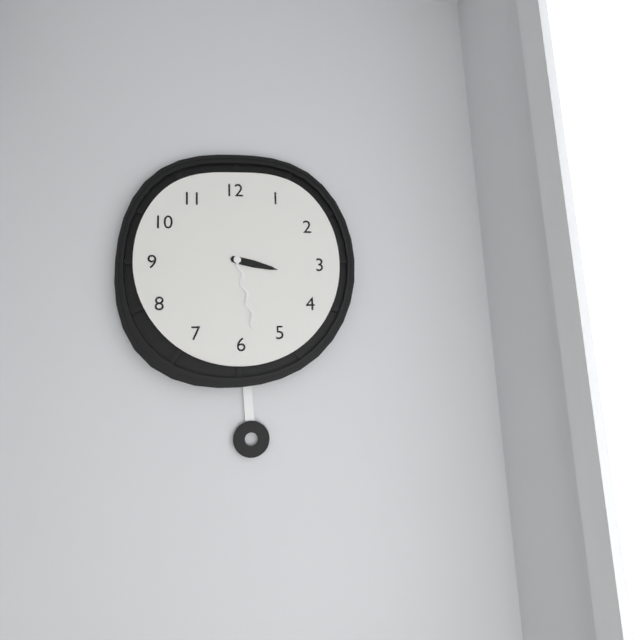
3:28
